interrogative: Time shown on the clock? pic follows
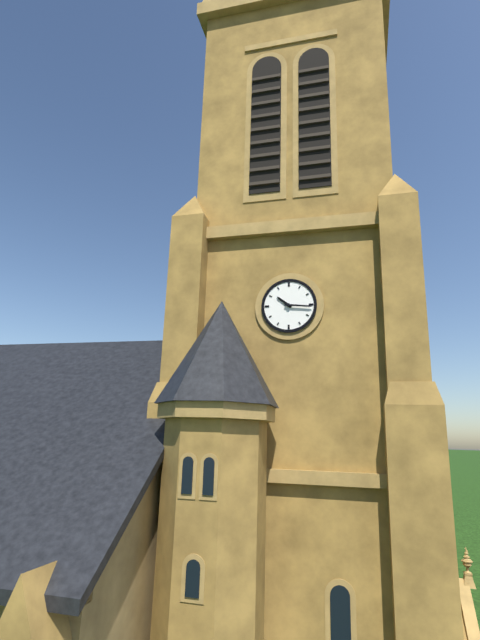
10:16
